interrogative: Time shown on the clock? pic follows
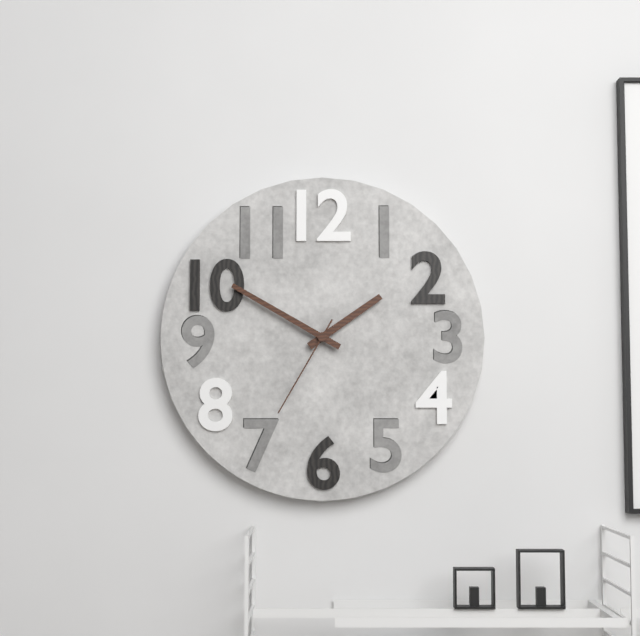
1:50:35
